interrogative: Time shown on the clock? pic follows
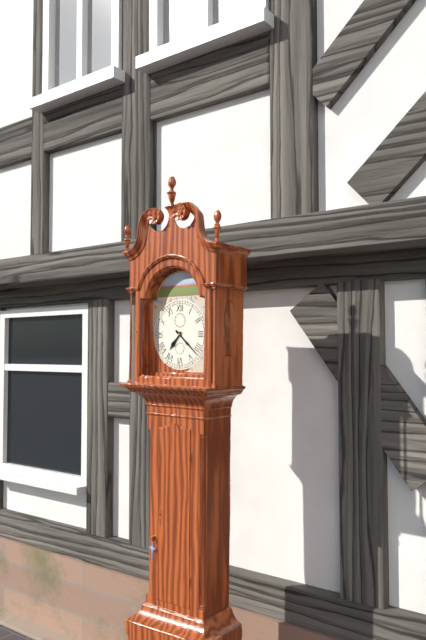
7:22
